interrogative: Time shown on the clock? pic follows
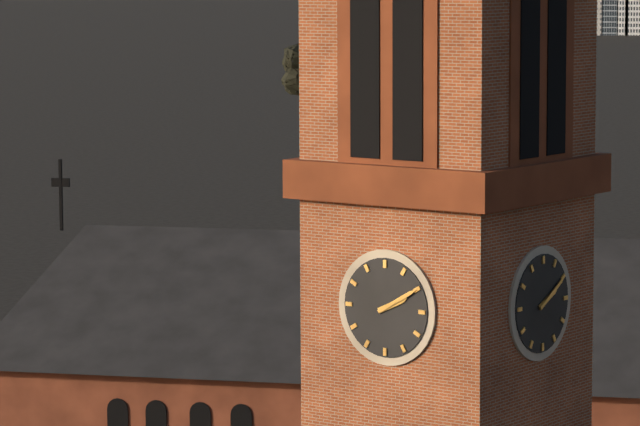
2:10
